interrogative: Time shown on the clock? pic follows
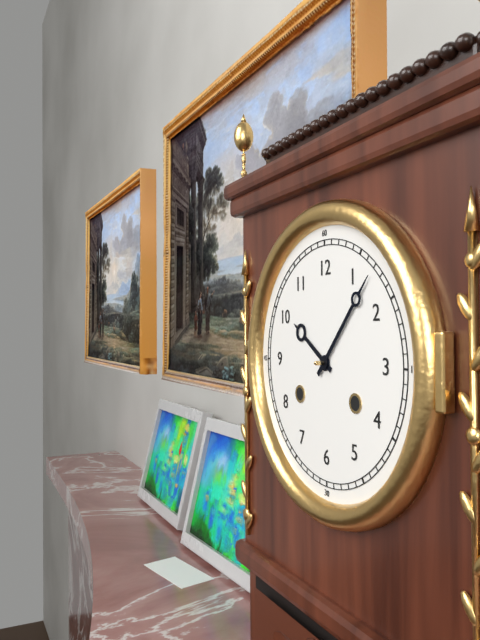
10:07
